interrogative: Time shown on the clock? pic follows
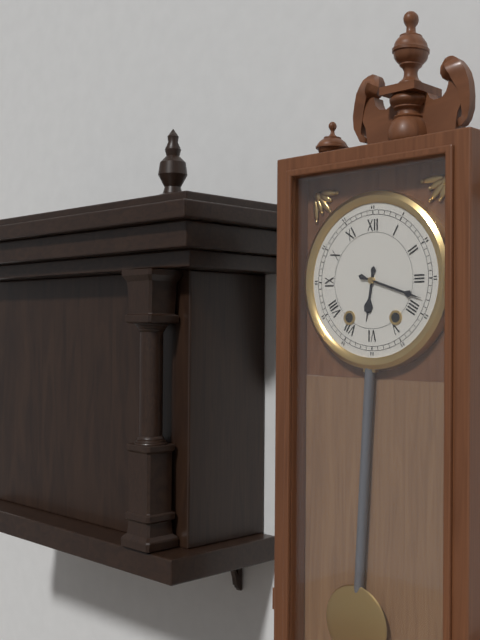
6:18
